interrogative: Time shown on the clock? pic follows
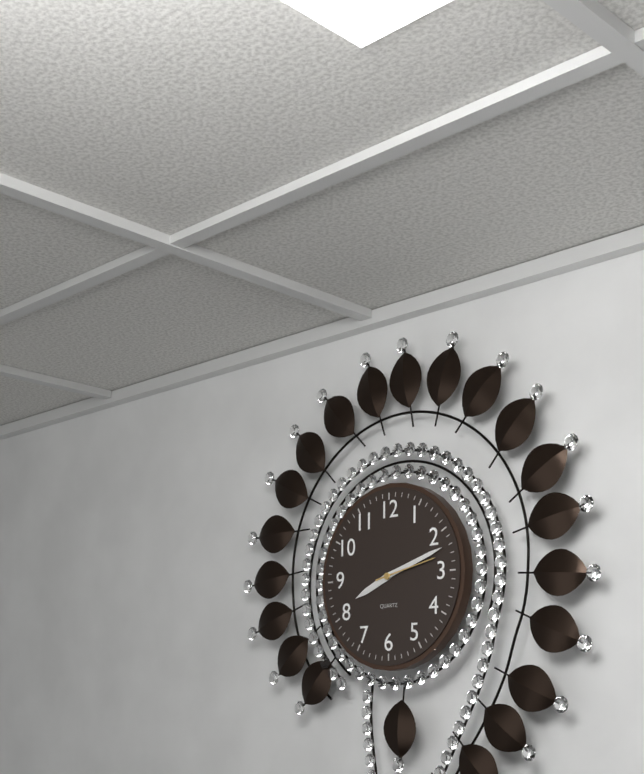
8:12:13
